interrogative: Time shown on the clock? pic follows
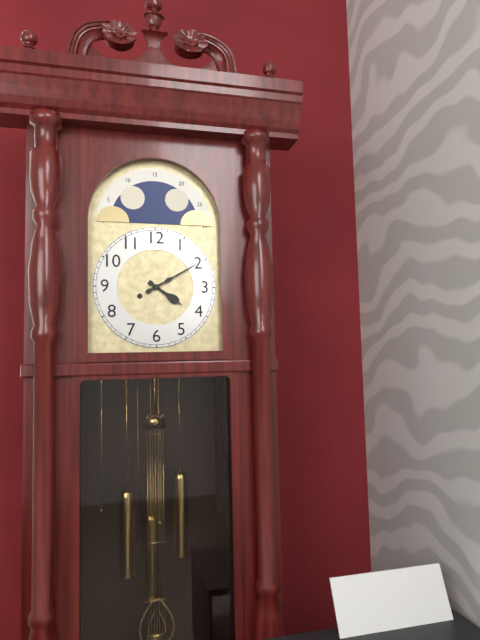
4:10
